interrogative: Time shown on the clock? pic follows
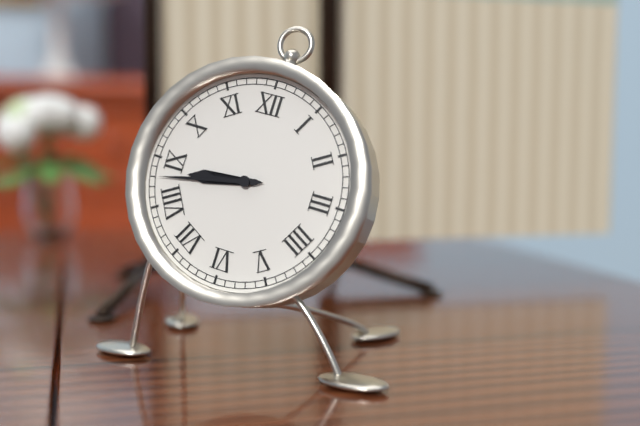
8:43
